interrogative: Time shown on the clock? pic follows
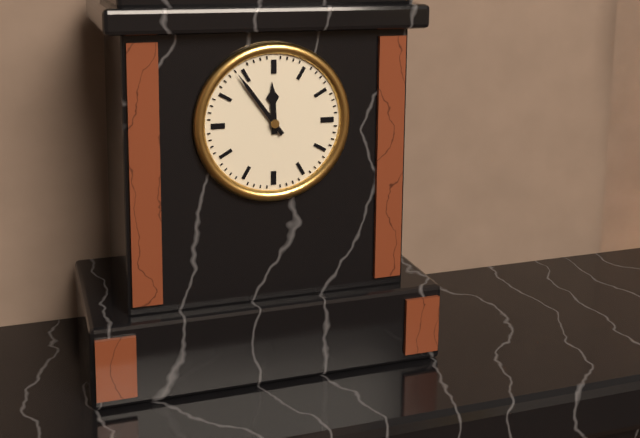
11:54
